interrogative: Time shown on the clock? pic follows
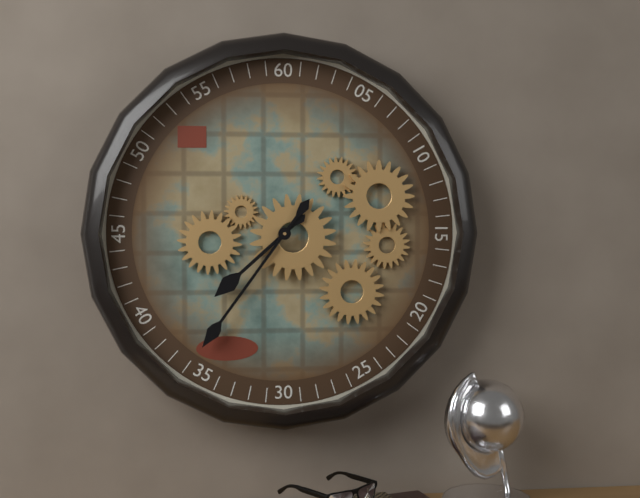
7:36
